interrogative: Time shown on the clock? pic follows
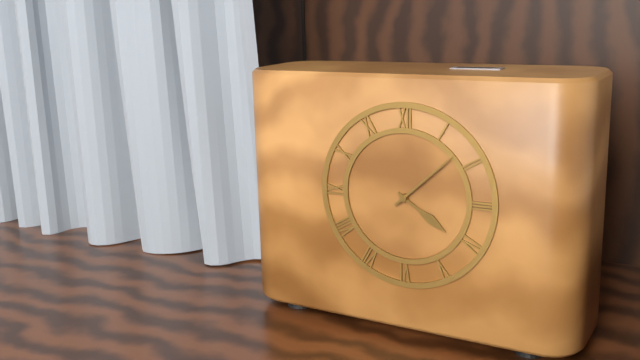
4:08
